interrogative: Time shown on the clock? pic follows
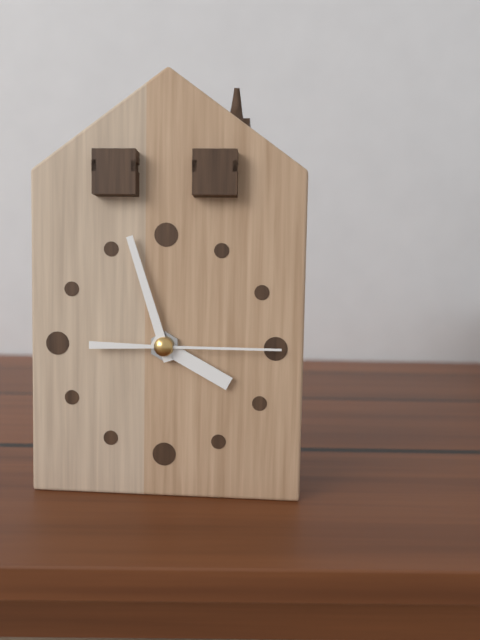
3:57:15
